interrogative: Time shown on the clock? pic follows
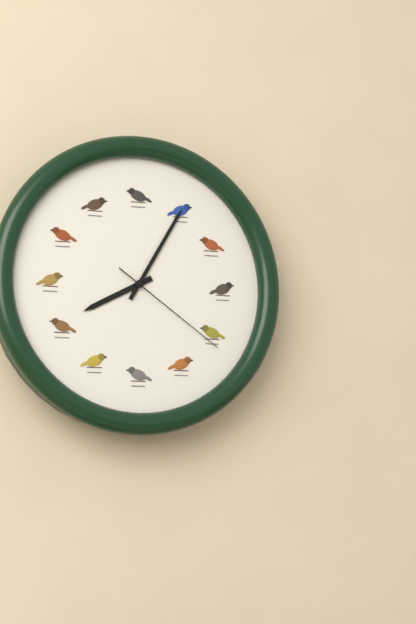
8:05:21
